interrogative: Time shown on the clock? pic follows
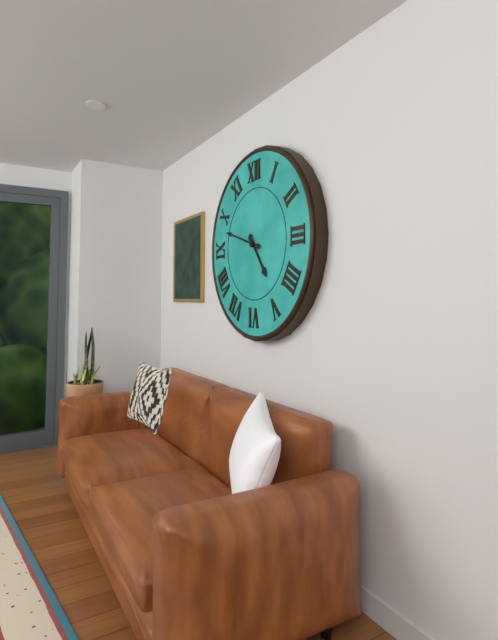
4:48
